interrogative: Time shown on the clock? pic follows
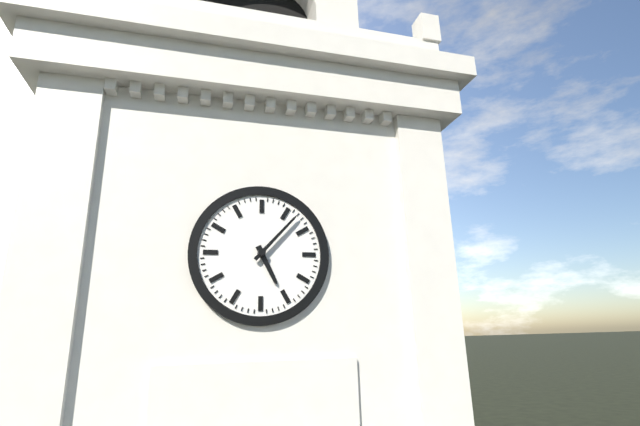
5:07
